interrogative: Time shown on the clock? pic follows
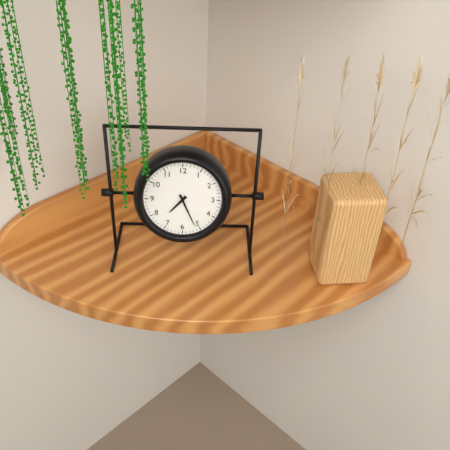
7:26
